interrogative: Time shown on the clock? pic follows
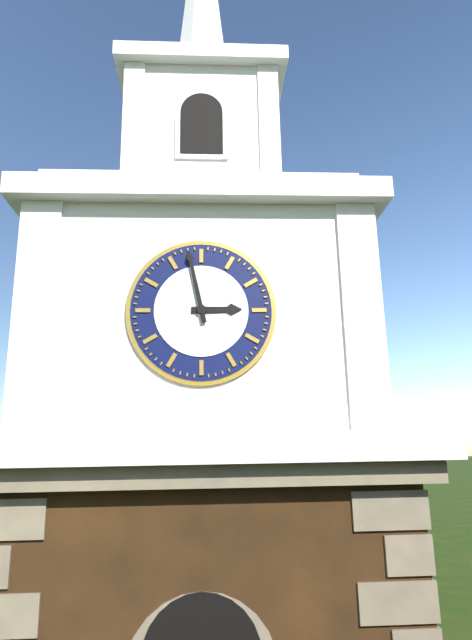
2:58
